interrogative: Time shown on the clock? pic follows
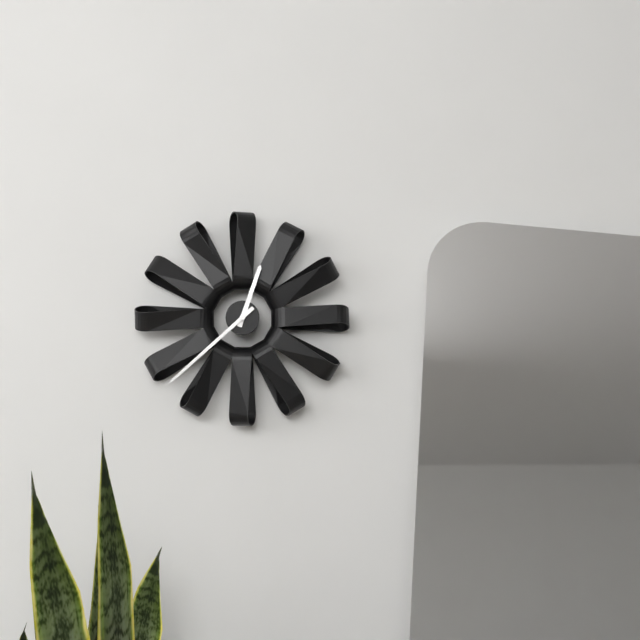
12:38
